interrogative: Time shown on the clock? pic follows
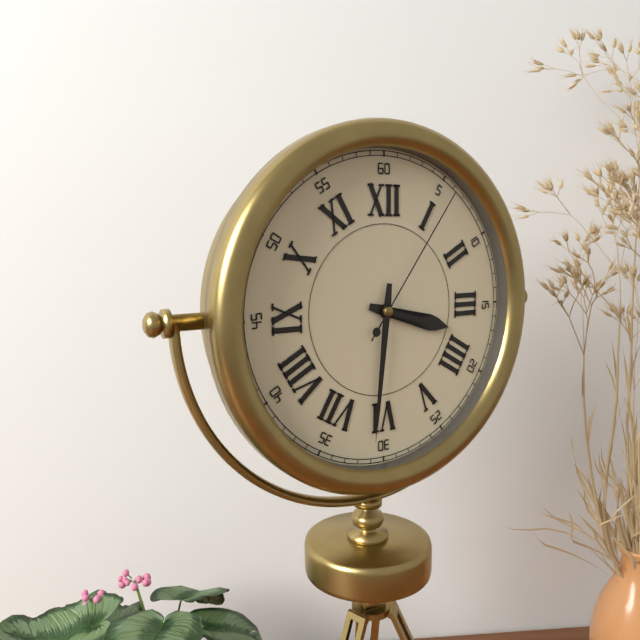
3:31:06
